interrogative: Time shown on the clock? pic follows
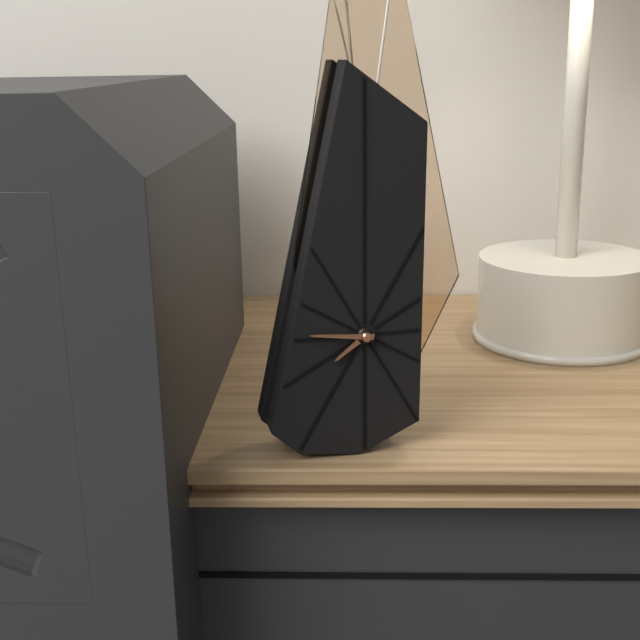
7:46
